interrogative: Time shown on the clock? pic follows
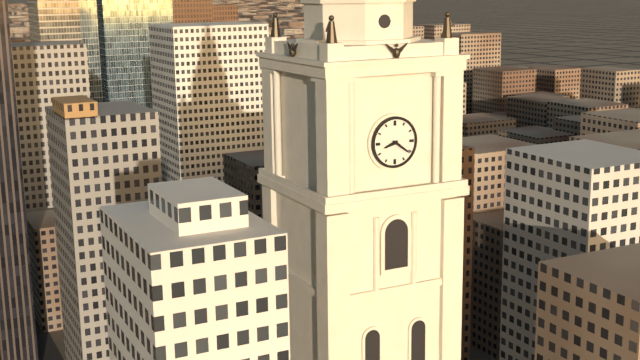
8:21
